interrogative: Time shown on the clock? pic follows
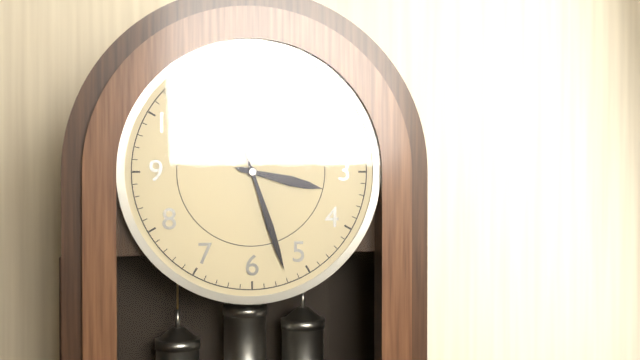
3:27
